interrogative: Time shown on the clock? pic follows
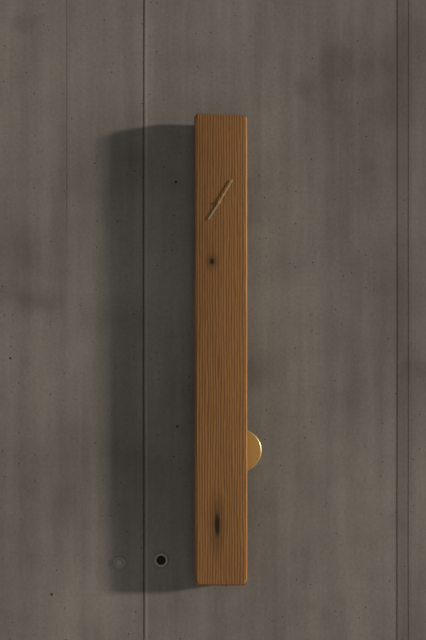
7:05
